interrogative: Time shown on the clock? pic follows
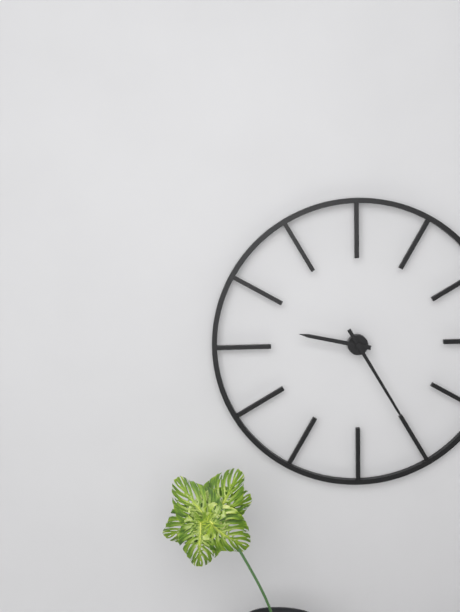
9:25
